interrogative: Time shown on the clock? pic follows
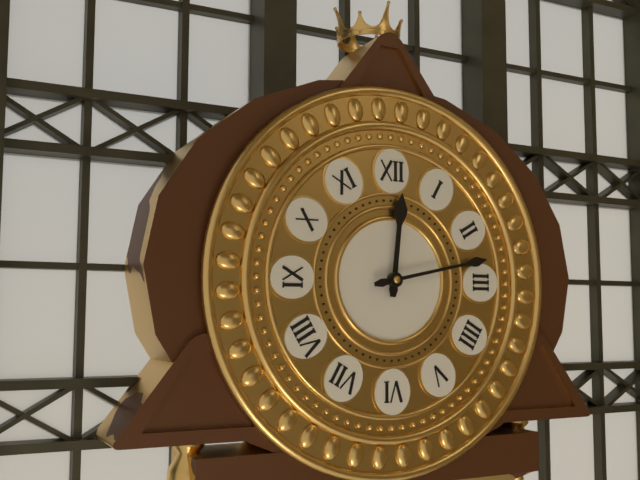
12:13
